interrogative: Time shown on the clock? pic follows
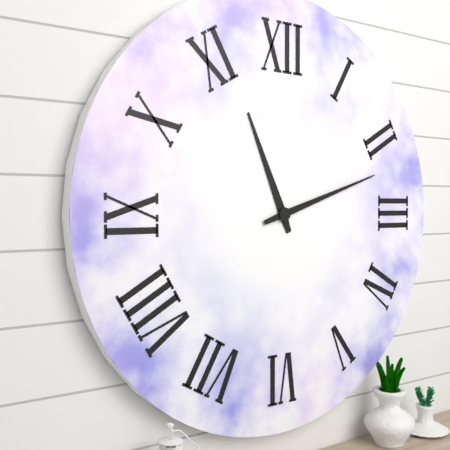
11:12
